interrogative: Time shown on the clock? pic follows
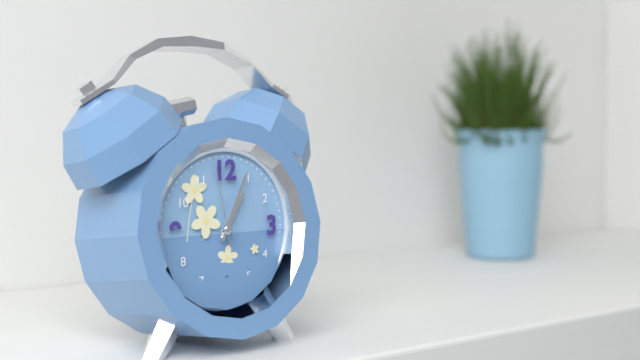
1:04:58
